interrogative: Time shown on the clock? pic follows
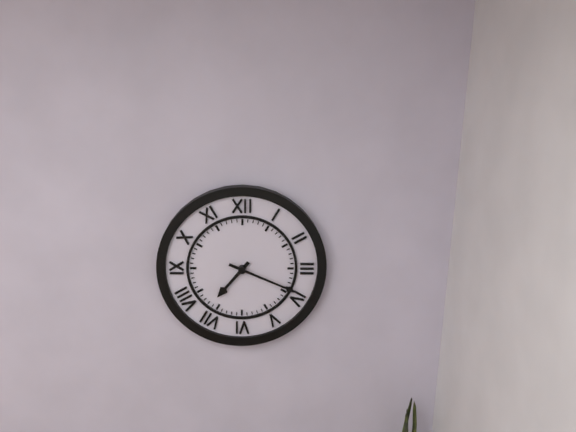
7:19
